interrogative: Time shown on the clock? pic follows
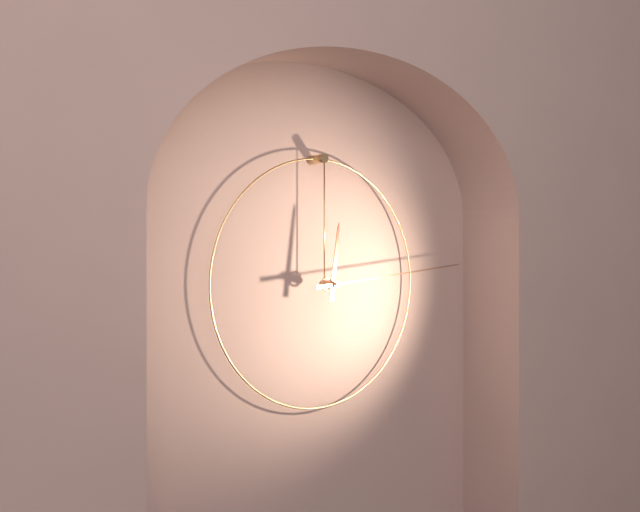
12:14
